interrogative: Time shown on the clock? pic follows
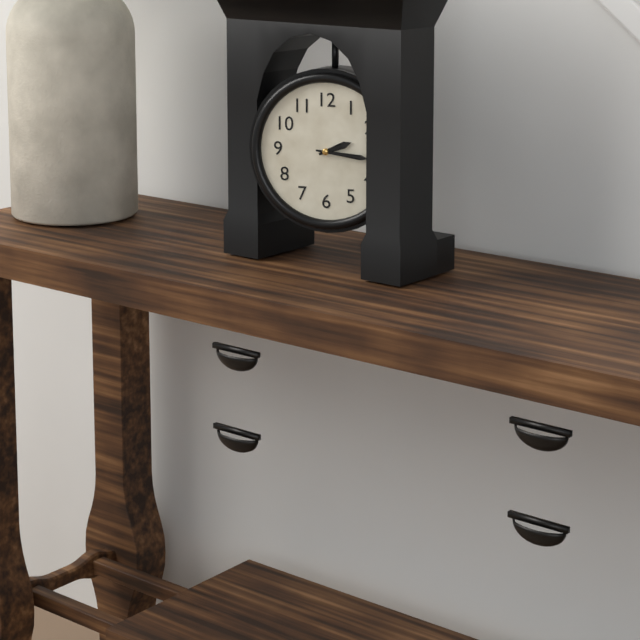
2:16
